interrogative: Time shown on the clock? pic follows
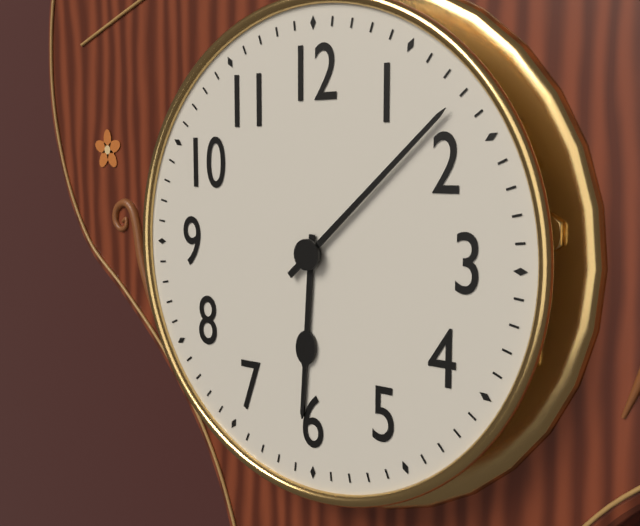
6:08
